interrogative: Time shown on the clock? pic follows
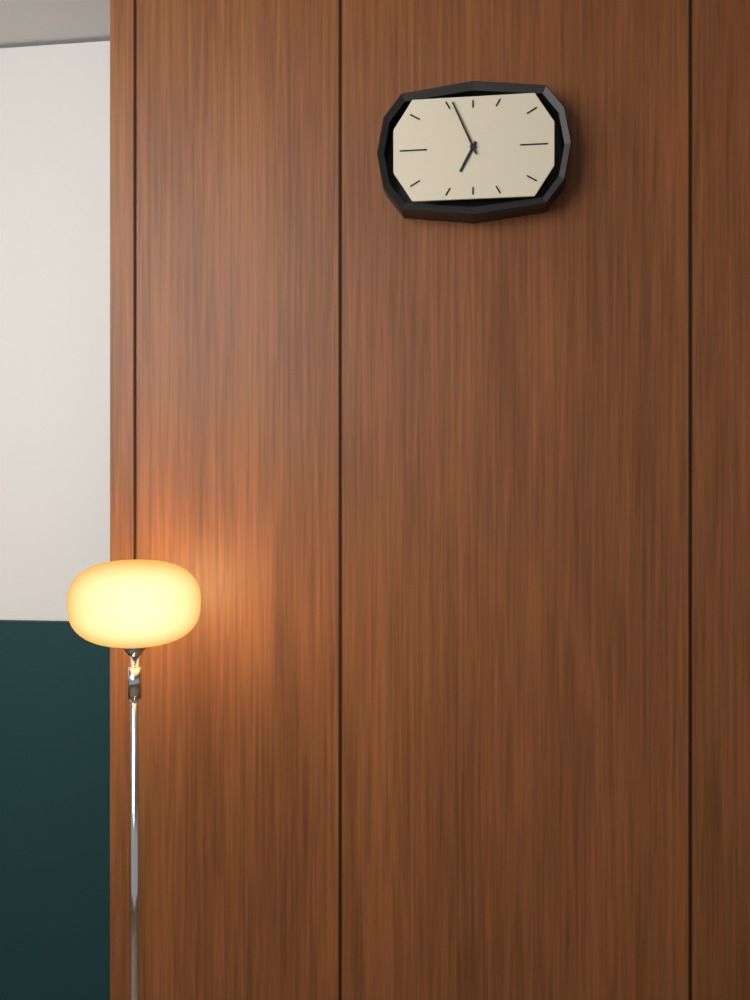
6:56
